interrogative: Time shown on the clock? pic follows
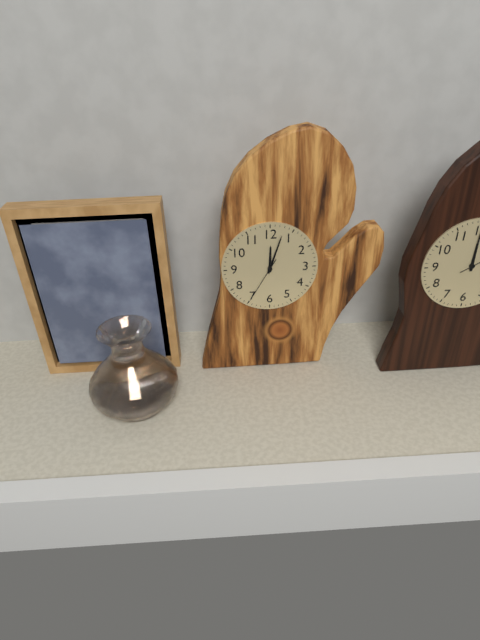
12:03
